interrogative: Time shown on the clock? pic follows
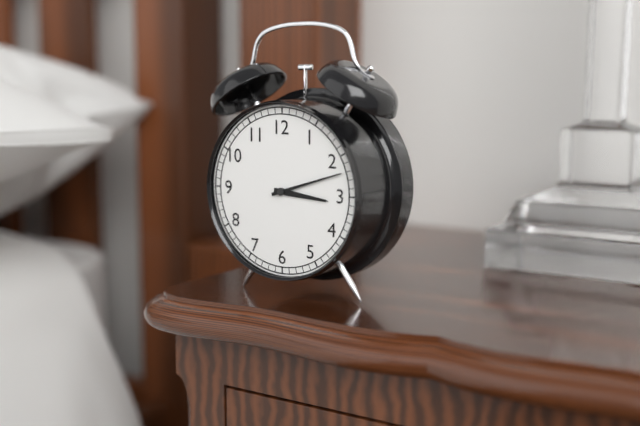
3:12
